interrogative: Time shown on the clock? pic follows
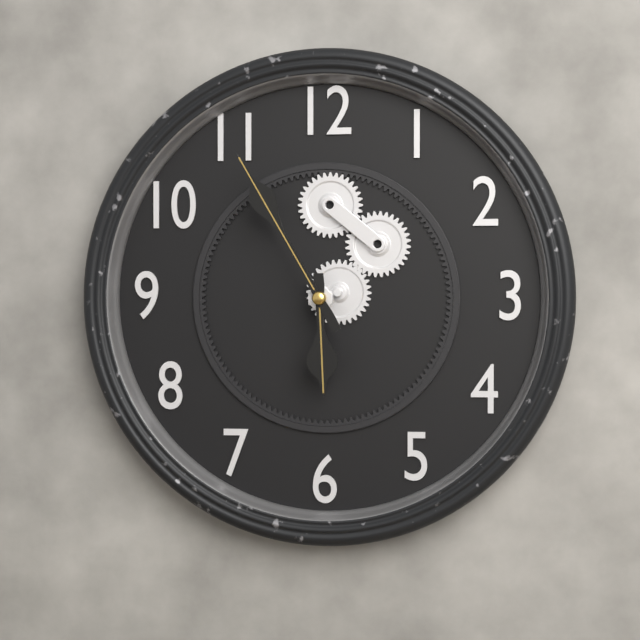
5:55
